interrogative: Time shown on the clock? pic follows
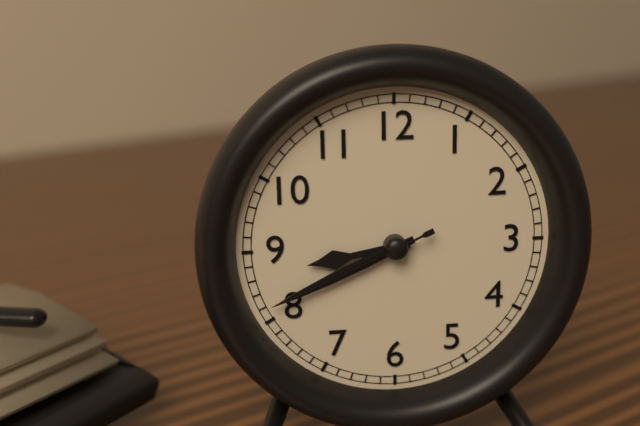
8:41:41
